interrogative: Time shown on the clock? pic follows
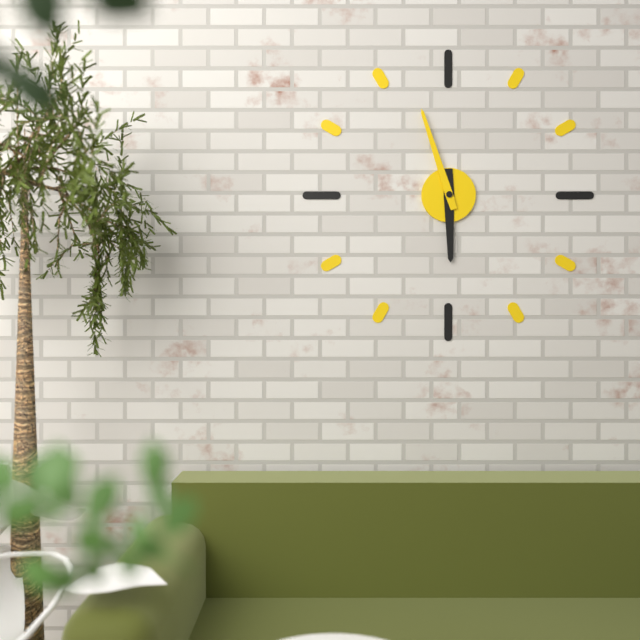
5:57
